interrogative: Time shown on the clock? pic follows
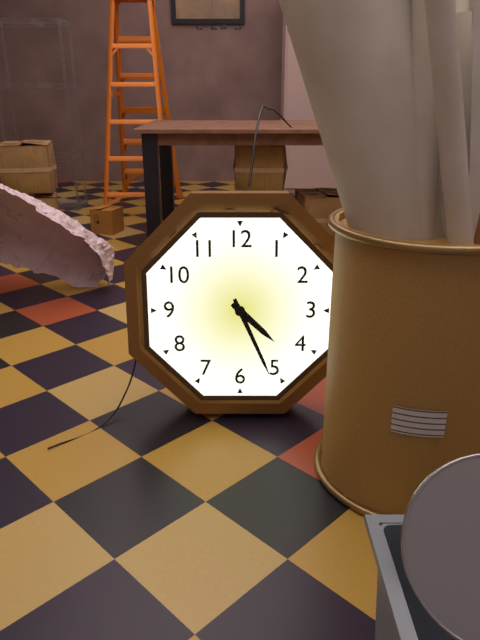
4:26
